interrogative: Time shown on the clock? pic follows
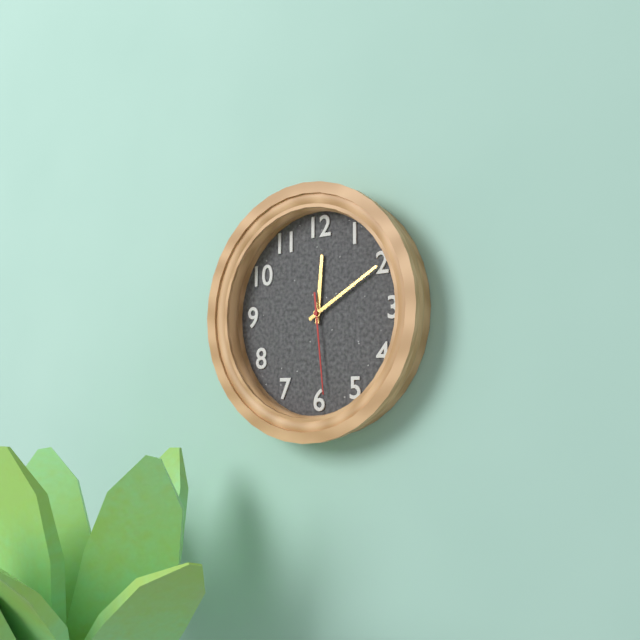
12:10:29
